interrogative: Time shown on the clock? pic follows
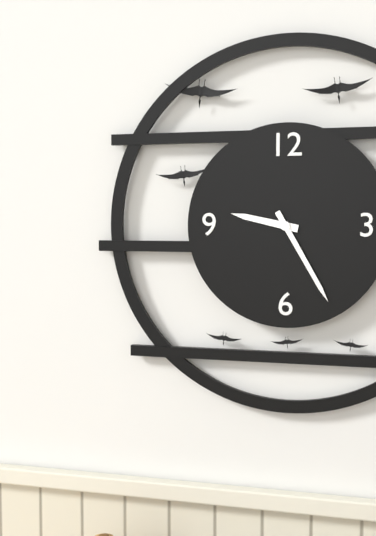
9:25
